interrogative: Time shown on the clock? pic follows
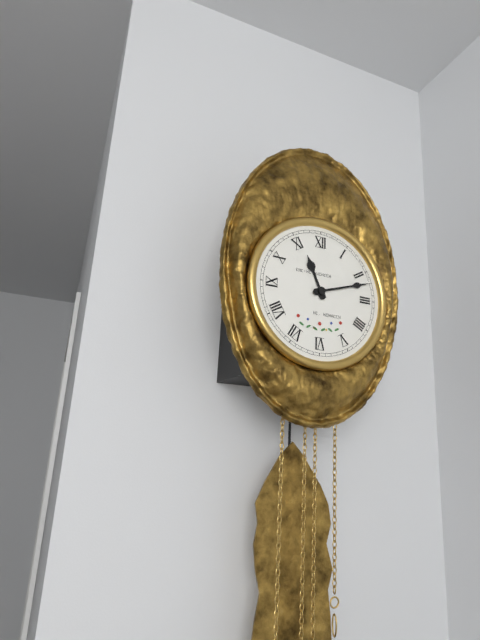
11:12
